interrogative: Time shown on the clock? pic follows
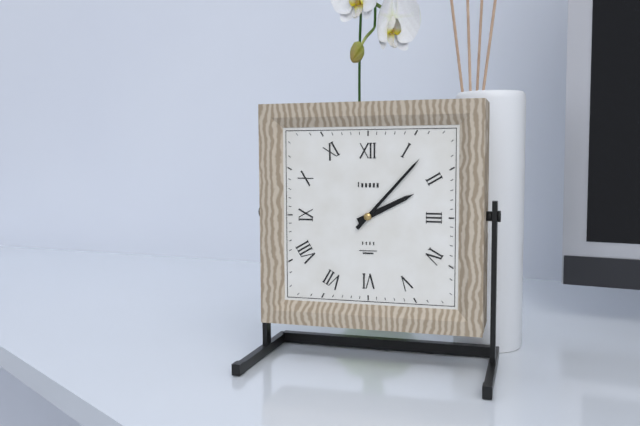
2:07
